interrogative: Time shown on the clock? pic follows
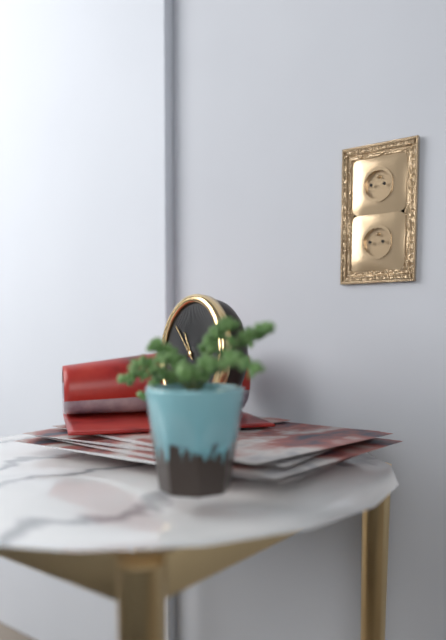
10:52
